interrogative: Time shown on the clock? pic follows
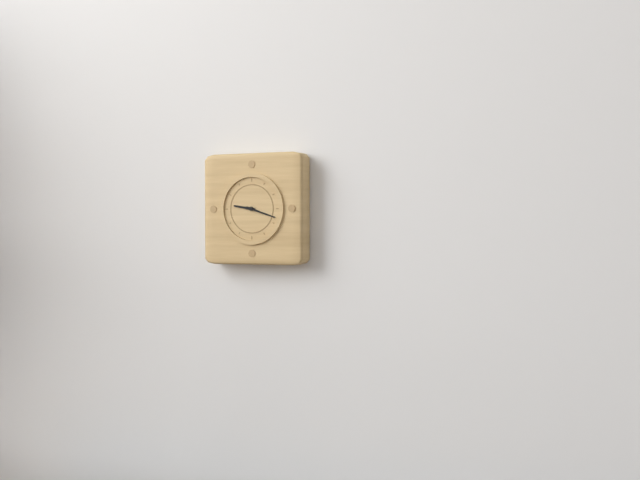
9:18
